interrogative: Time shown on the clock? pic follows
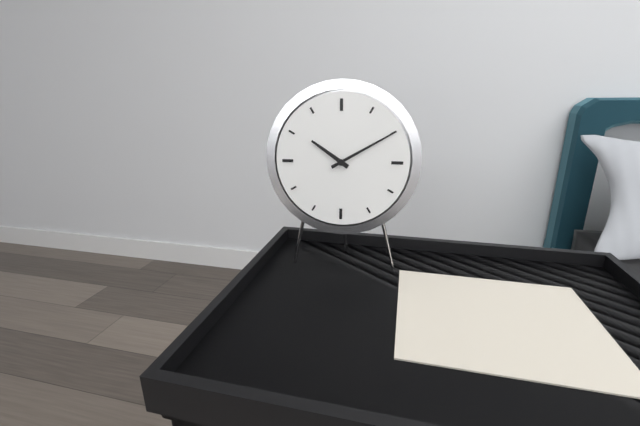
10:10
